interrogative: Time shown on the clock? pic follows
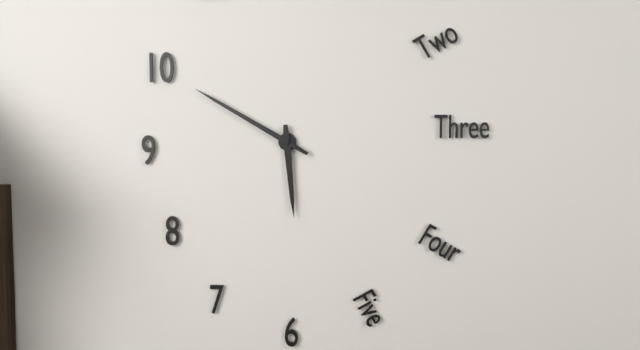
5:50
